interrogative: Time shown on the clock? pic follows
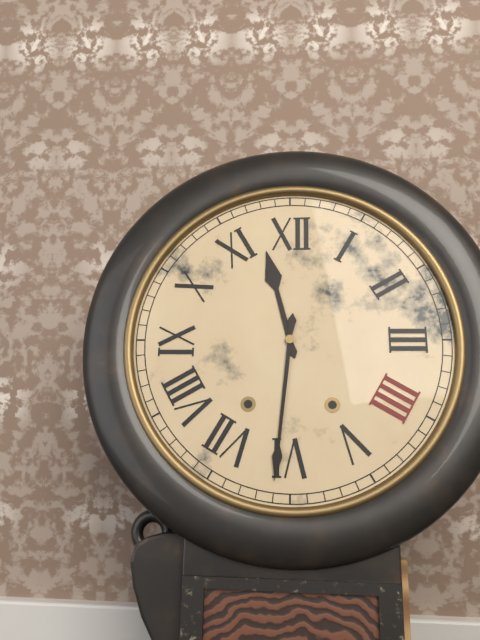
11:31
